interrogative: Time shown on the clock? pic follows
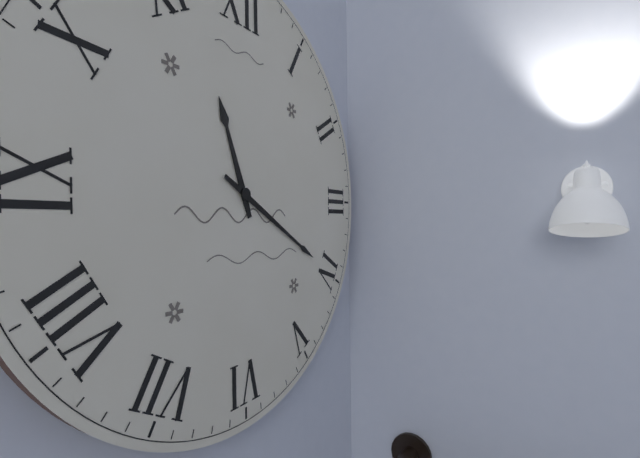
11:20
